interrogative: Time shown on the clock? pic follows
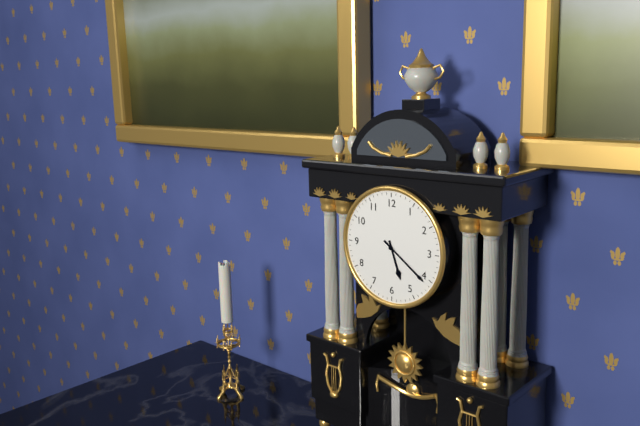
5:21
